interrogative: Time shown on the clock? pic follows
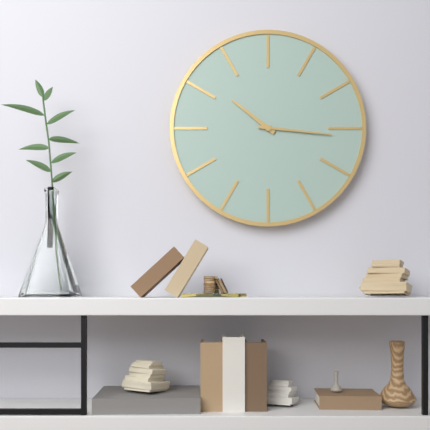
10:16
